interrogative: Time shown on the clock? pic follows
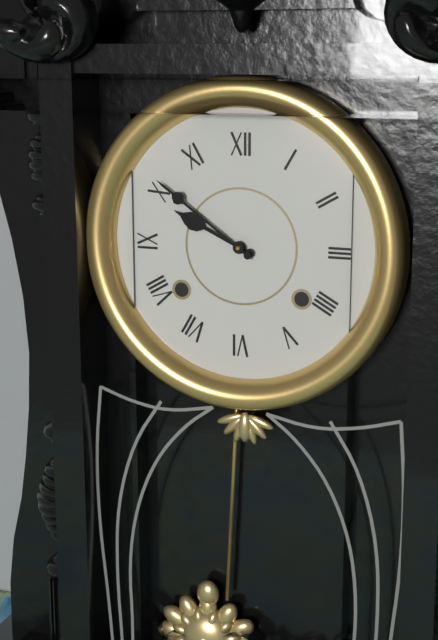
9:51
